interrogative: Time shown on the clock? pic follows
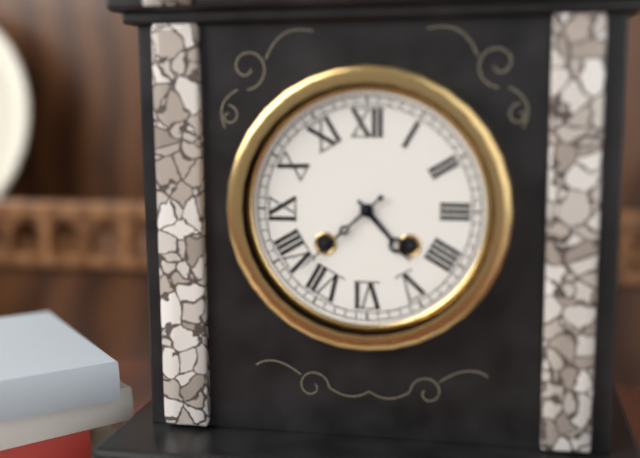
4:38
